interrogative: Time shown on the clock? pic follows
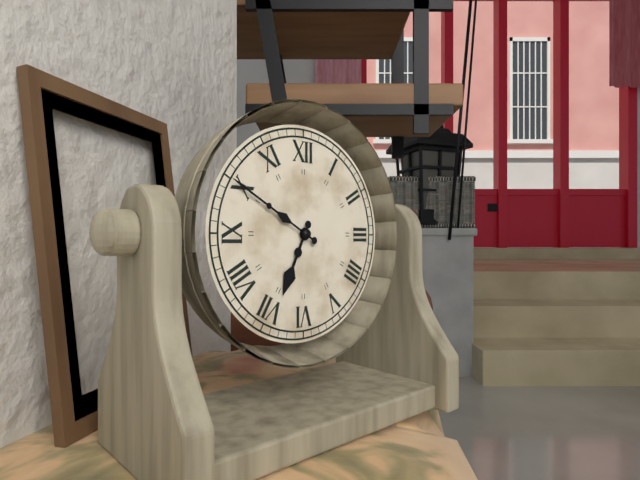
6:50
